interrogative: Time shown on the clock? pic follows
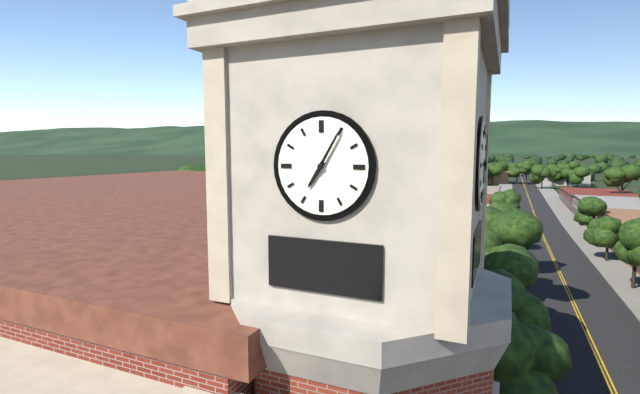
7:05
